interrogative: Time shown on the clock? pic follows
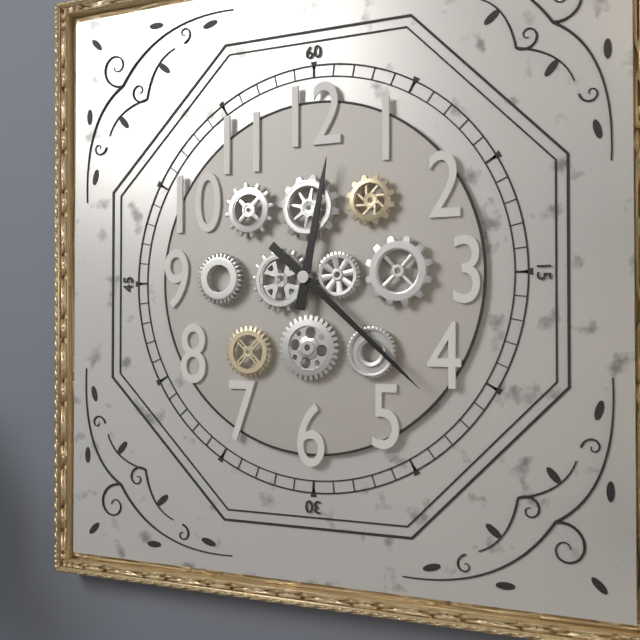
12:22
